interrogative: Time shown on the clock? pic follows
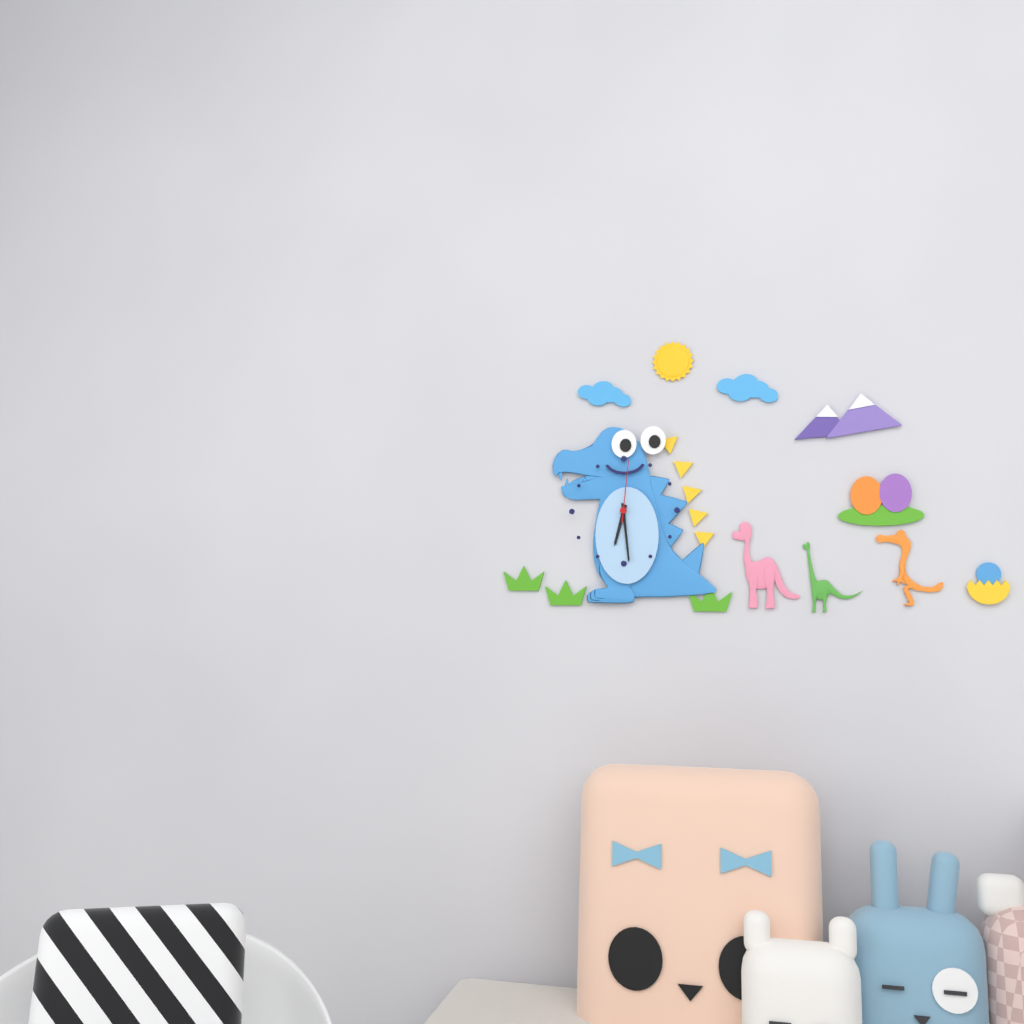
6:29:01
